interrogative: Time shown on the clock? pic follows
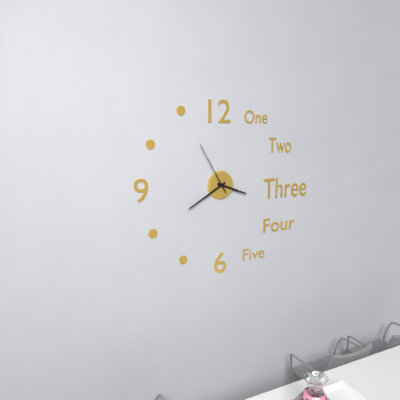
3:40:55
